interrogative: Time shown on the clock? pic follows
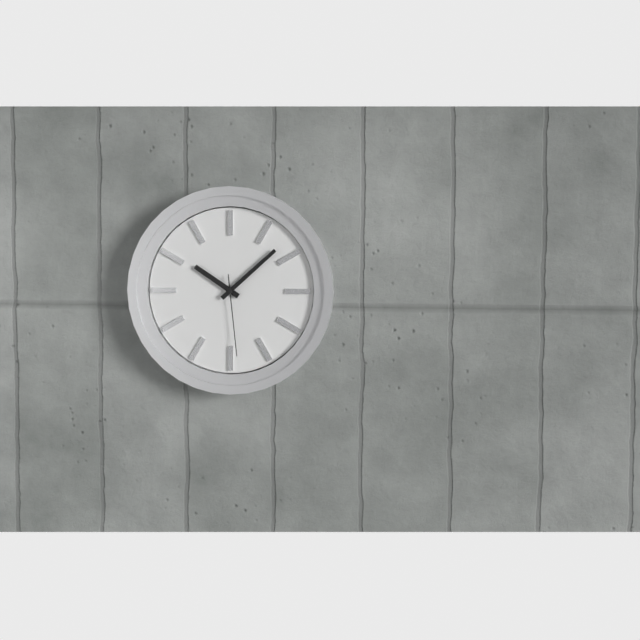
10:08:29
